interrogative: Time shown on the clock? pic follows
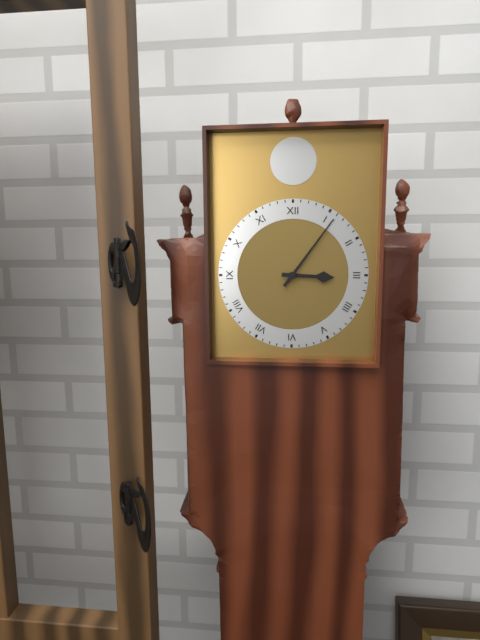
3:06
